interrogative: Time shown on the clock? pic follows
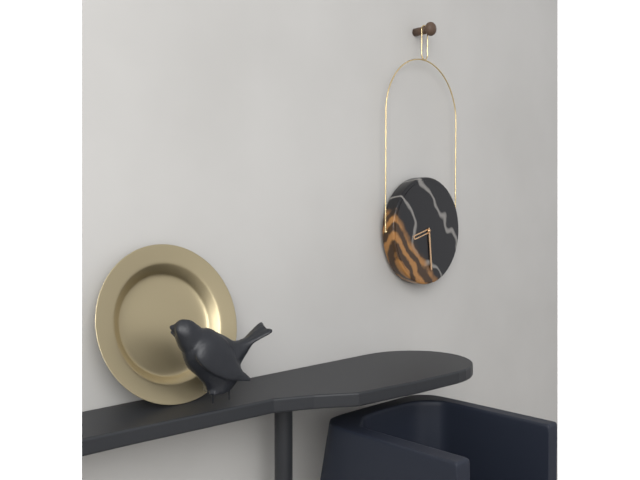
8:29
